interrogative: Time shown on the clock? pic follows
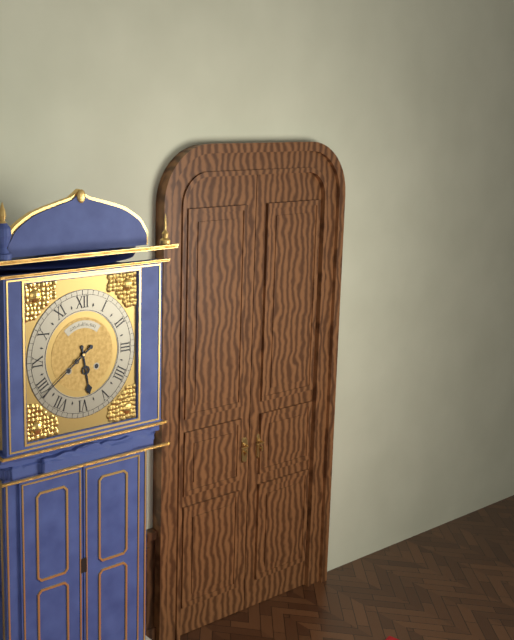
5:39
